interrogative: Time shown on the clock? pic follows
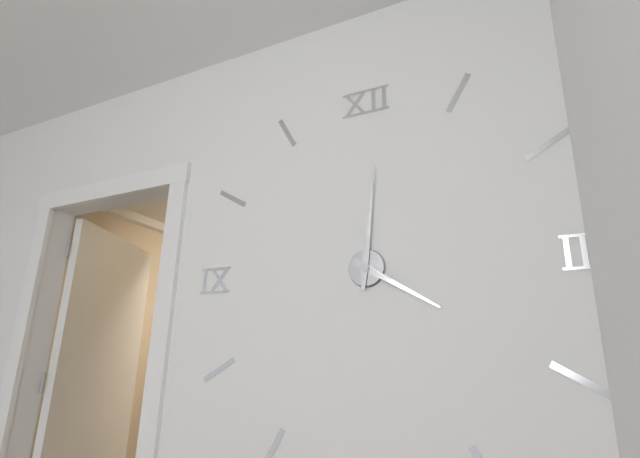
4:01
